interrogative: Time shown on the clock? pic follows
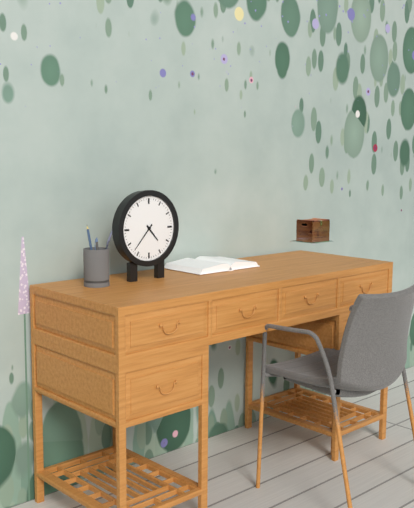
4:37
